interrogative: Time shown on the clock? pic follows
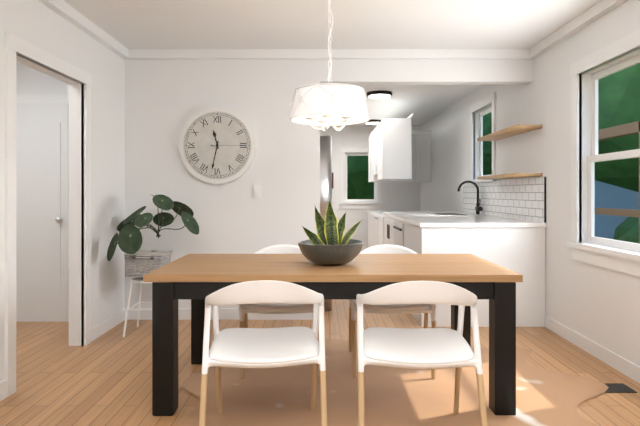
11:32
